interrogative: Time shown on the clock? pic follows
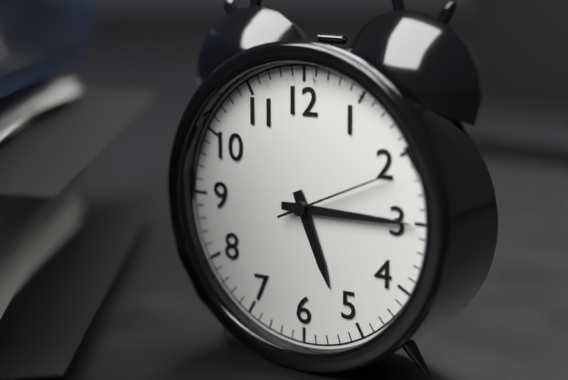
5:15:11
